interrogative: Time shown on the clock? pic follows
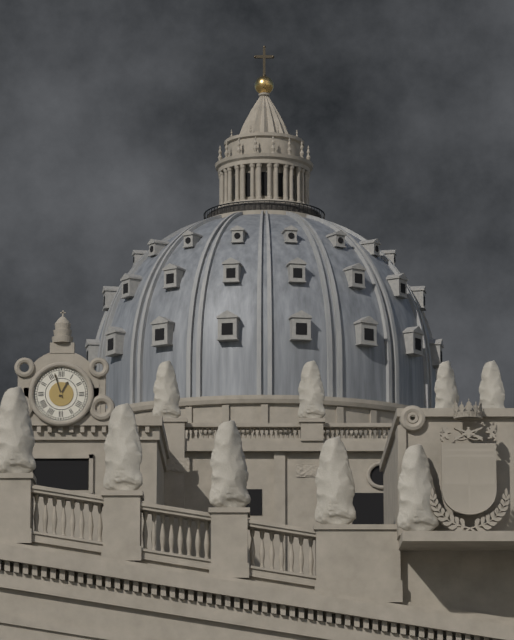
12:57
